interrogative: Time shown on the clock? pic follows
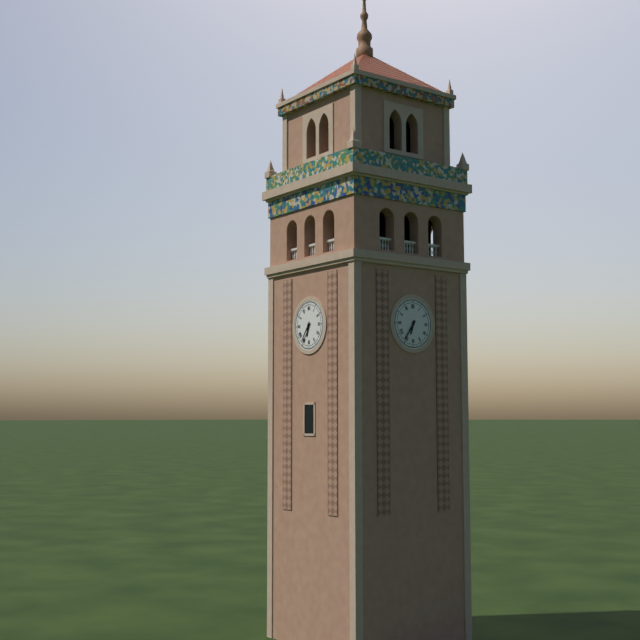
6:36
